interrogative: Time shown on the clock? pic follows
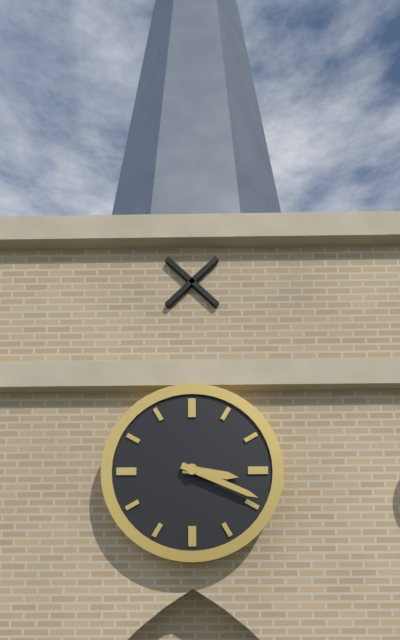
3:19
